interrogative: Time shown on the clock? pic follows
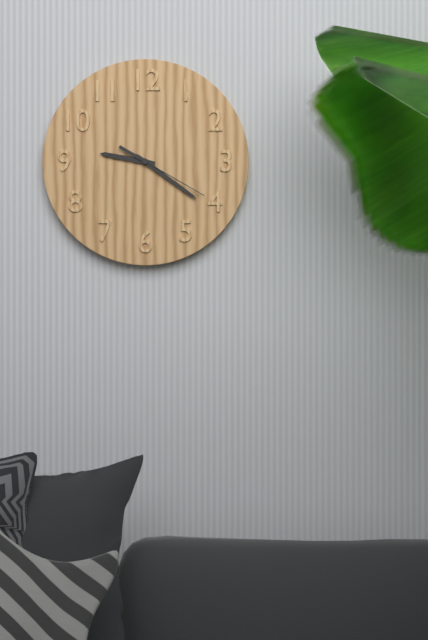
9:21:20
